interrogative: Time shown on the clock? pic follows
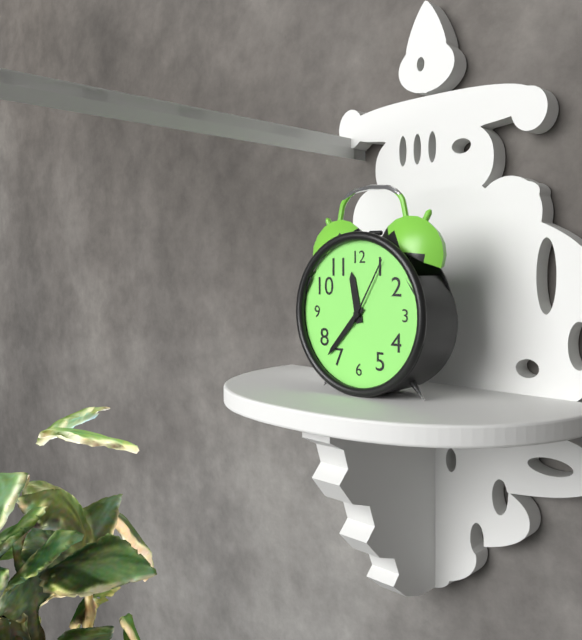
11:37:05
